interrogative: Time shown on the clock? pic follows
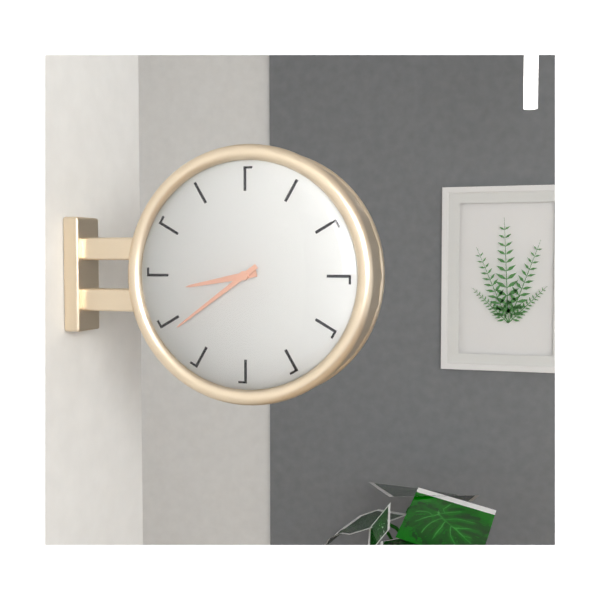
8:39
